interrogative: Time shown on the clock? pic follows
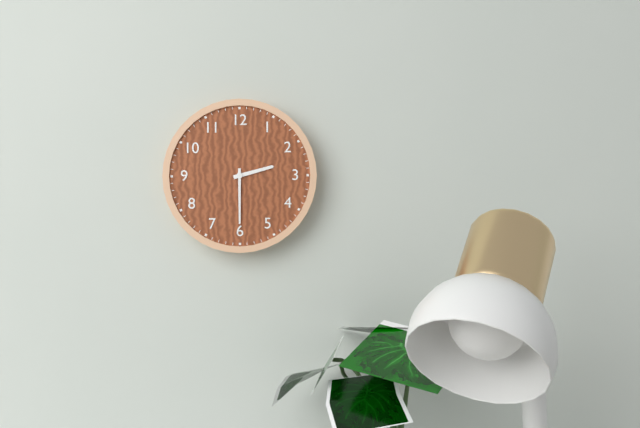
2:30
